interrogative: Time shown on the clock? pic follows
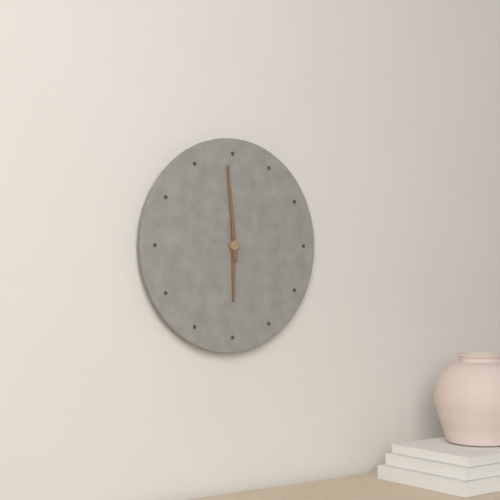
5:59
